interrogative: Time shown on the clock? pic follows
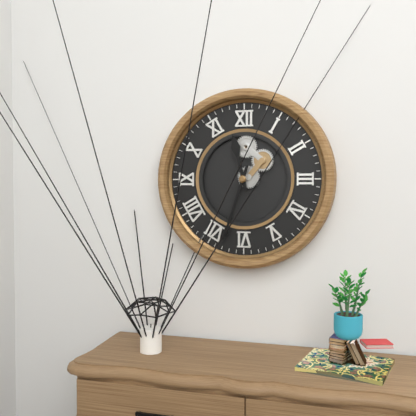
11:33
